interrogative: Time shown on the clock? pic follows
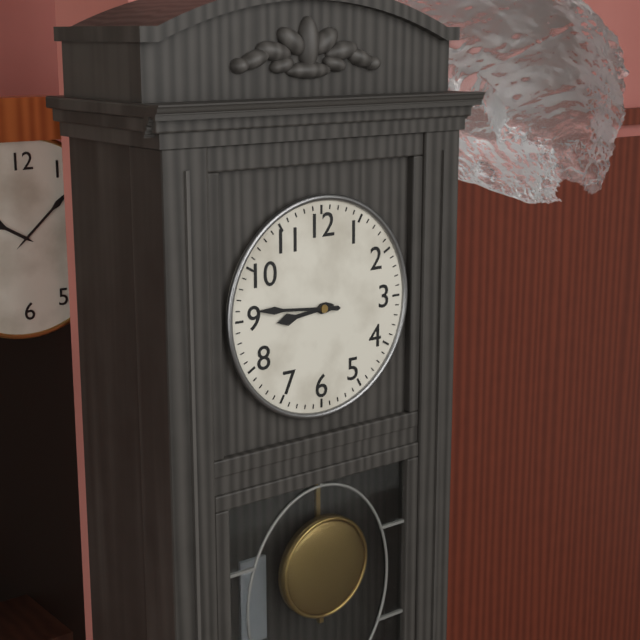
8:46
